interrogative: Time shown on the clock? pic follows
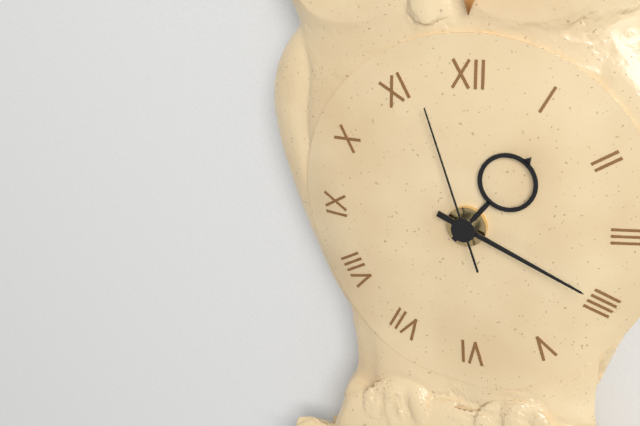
1:19:57
